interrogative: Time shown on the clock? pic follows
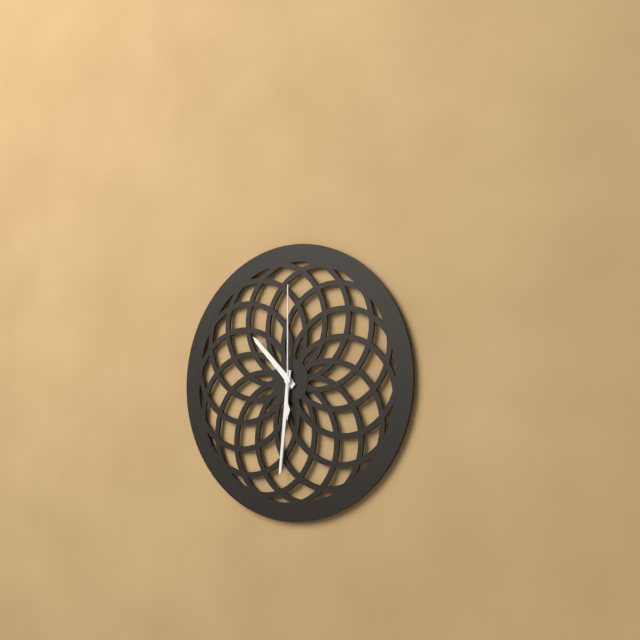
10:31:00
